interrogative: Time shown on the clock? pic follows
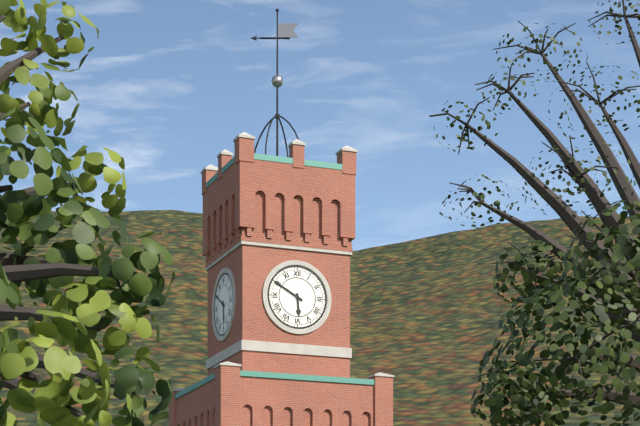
5:50
